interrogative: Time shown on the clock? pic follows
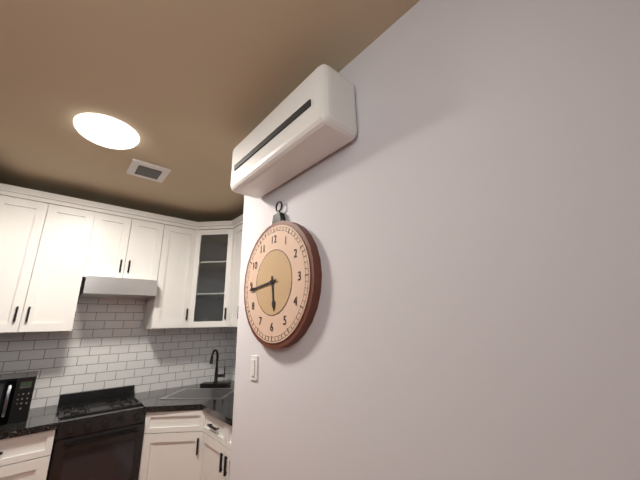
5:44
